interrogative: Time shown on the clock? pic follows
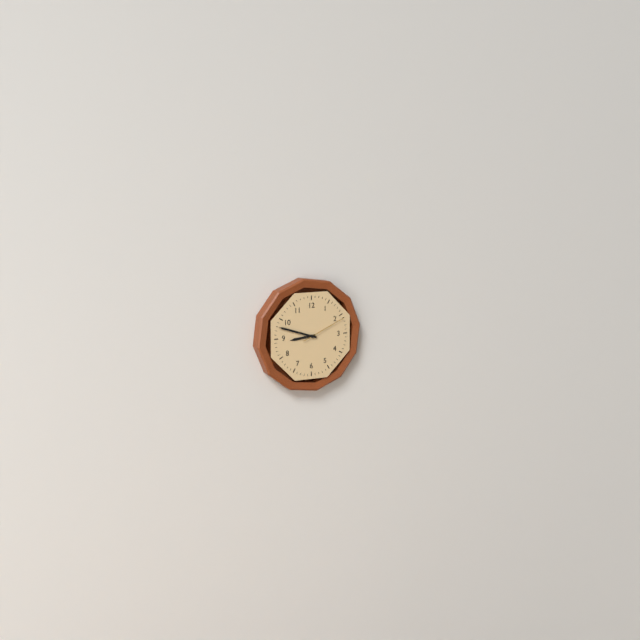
8:48
